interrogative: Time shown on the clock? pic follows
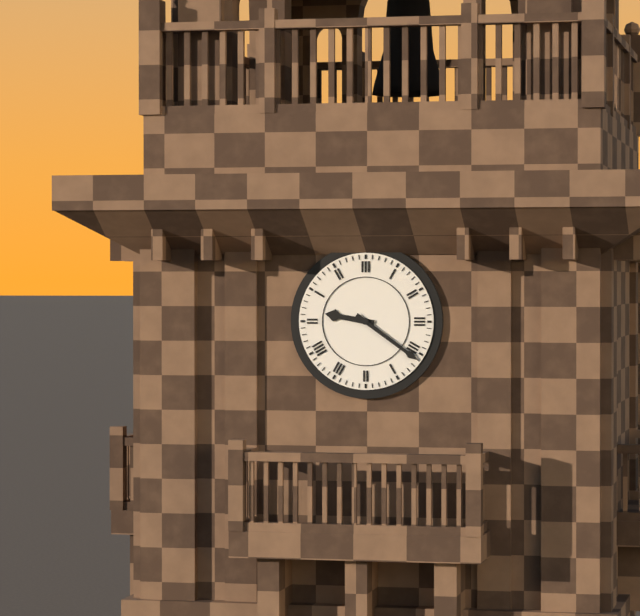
9:21
